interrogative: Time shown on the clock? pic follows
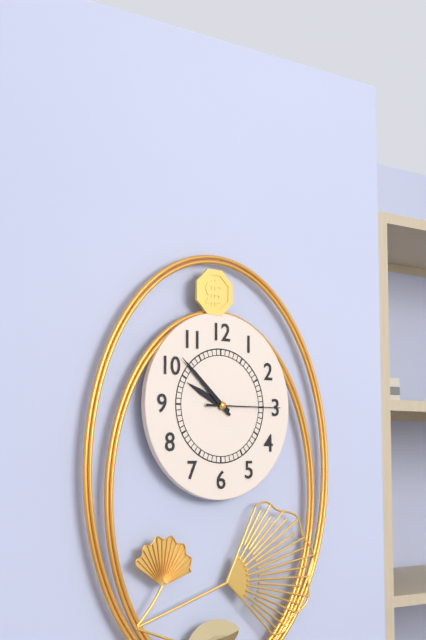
9:52:15
